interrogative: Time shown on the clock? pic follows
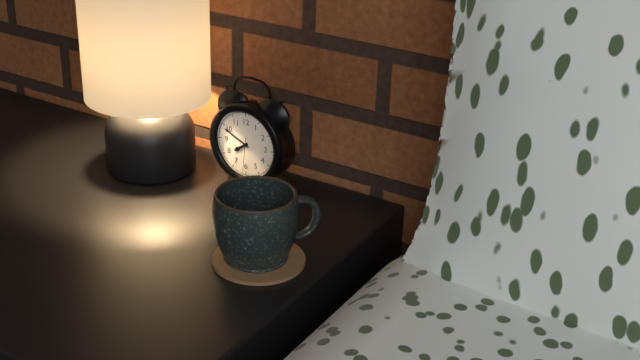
7:49
